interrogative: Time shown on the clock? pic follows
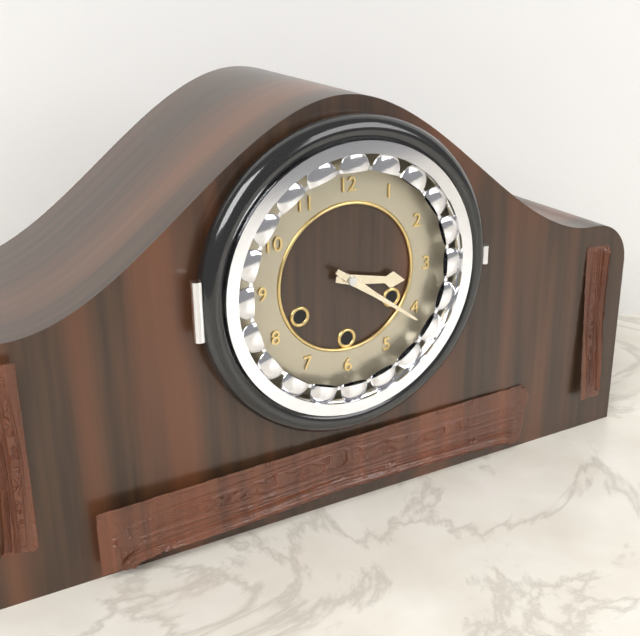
3:21
